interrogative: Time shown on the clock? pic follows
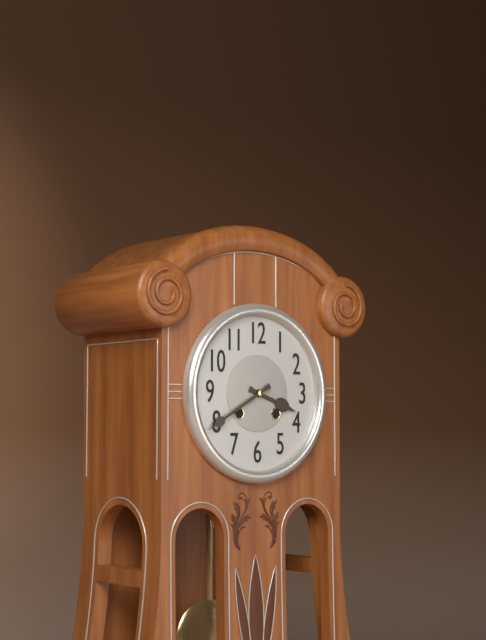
3:40
